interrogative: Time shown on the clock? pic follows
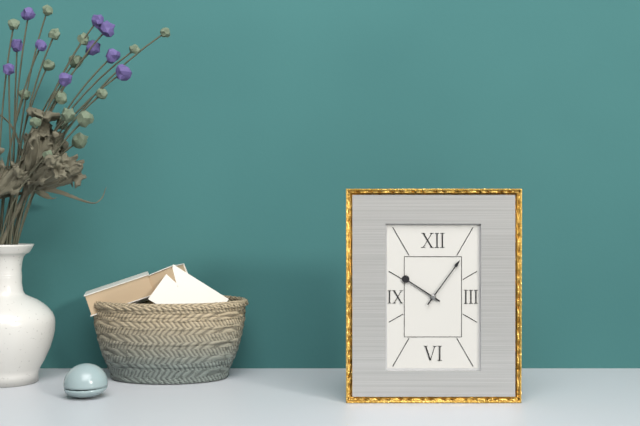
10:06
